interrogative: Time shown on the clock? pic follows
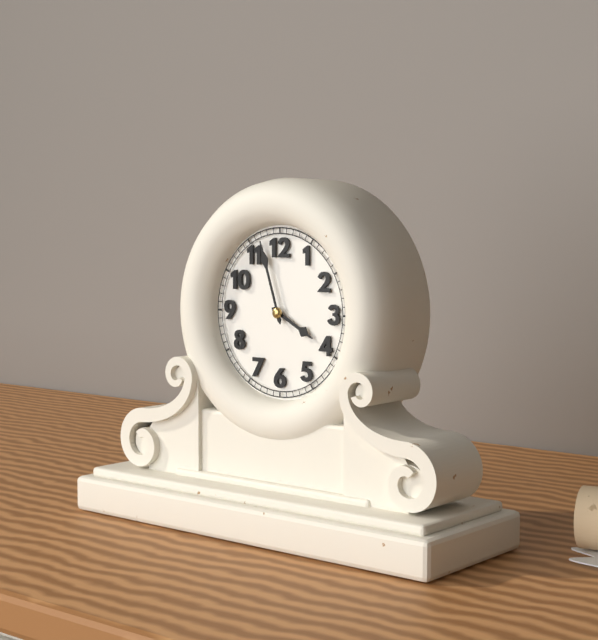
3:57
